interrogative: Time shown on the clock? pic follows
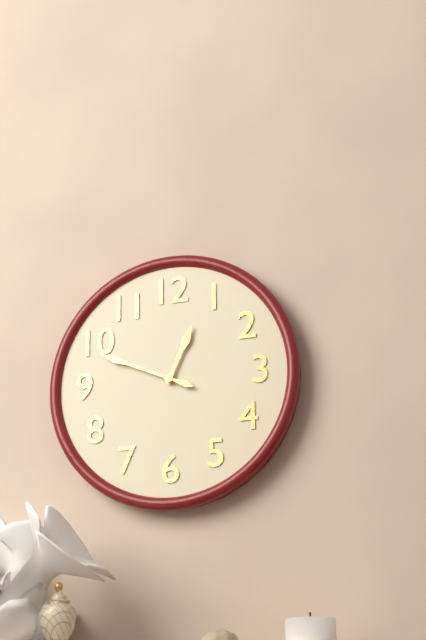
12:49
